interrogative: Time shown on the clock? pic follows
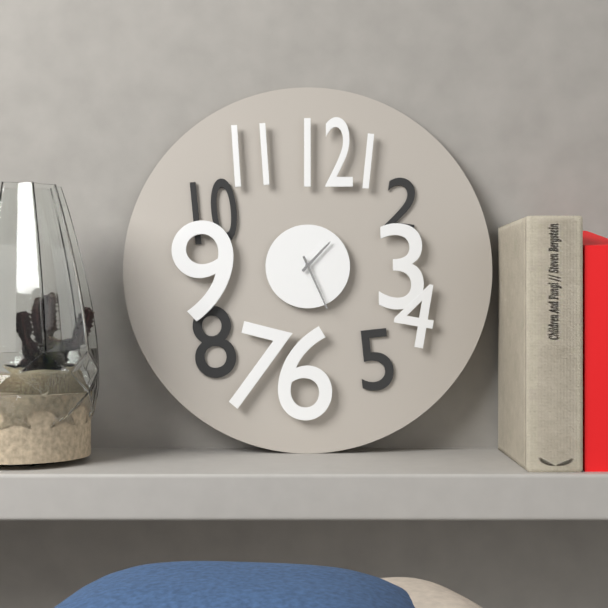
1:26
